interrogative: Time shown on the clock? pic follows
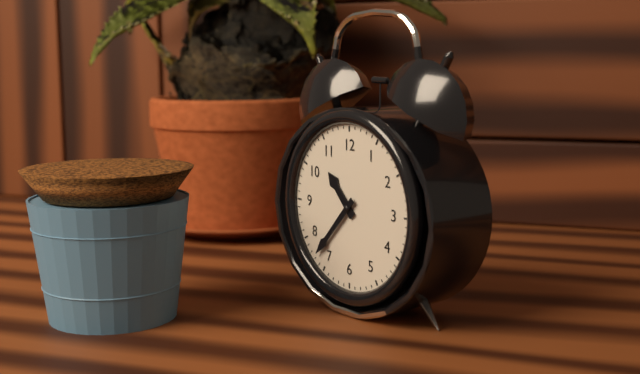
10:37
